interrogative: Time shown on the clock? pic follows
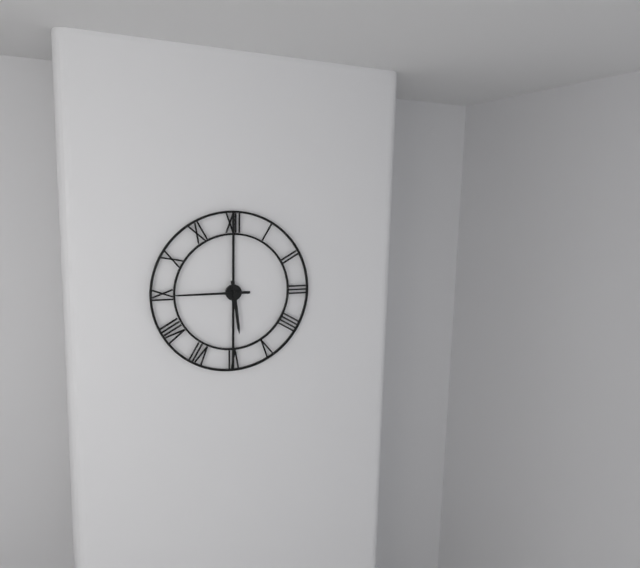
5:45
